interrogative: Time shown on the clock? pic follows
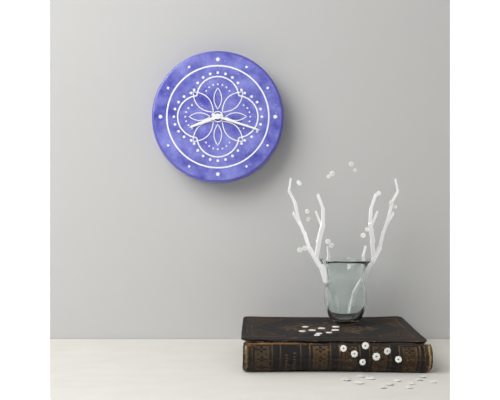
8:18
